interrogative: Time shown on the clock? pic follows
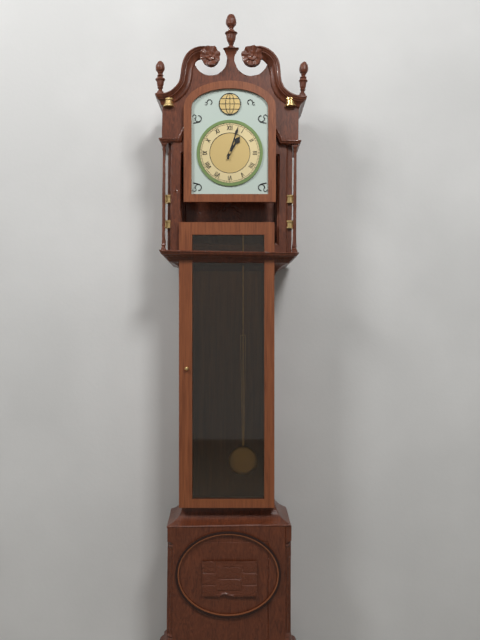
1:03
